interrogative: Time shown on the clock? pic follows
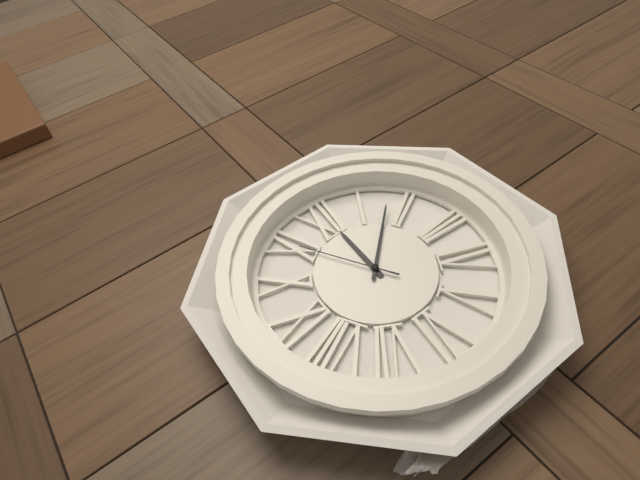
12:08:55
